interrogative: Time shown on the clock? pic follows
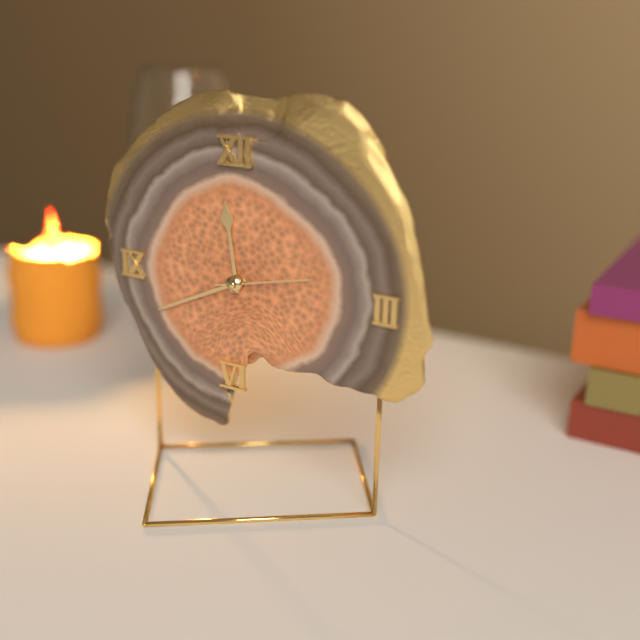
11:41:13
